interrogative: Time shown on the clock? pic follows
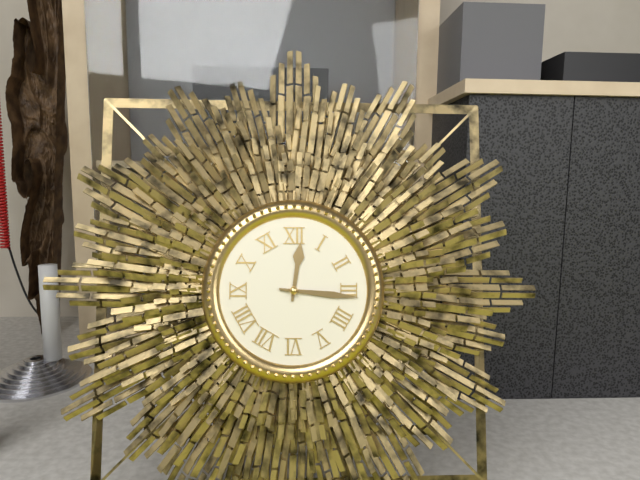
12:16
